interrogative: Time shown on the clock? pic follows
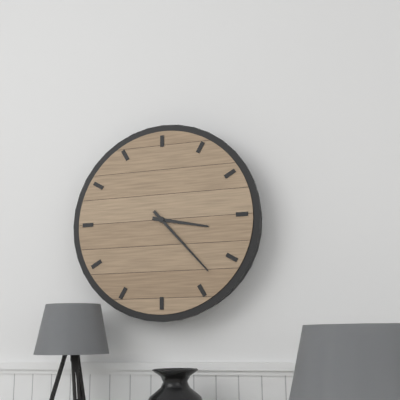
3:23
